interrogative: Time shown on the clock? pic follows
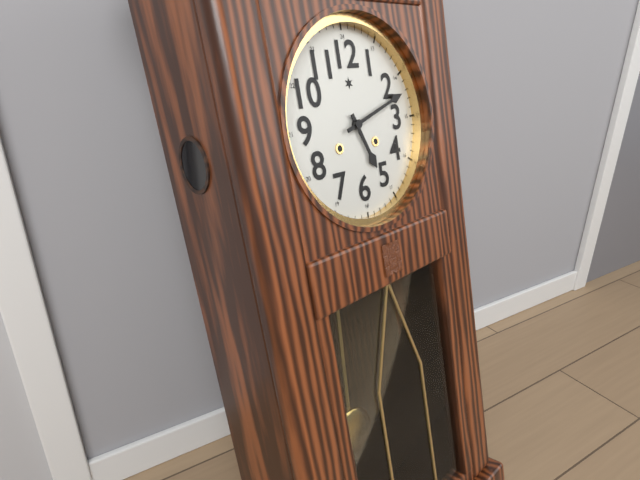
5:12
